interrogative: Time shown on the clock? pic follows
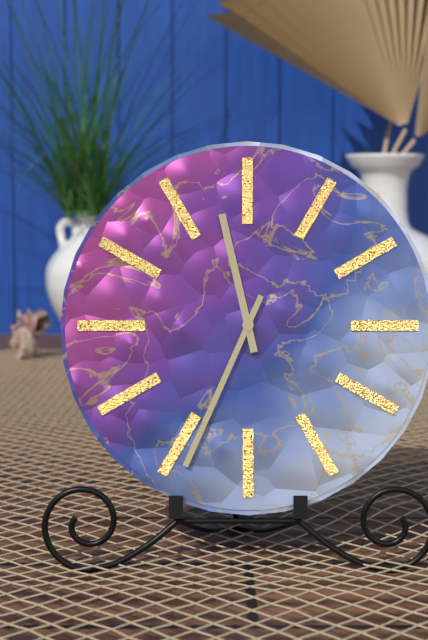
11:34
